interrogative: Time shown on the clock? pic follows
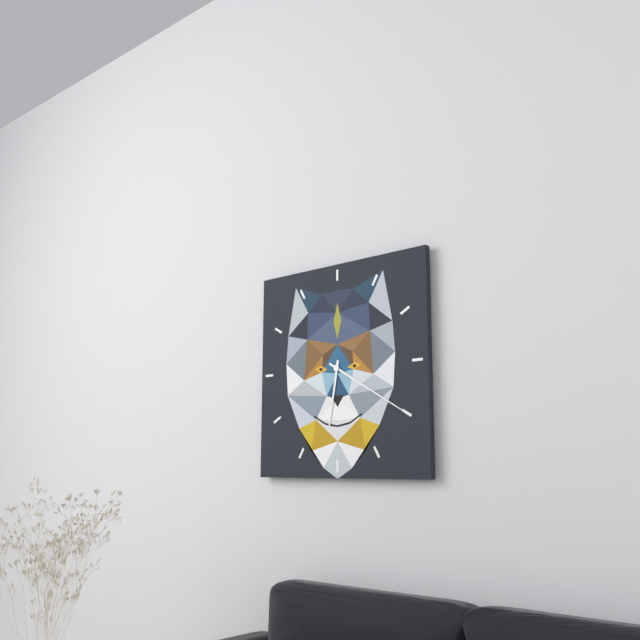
6:20
